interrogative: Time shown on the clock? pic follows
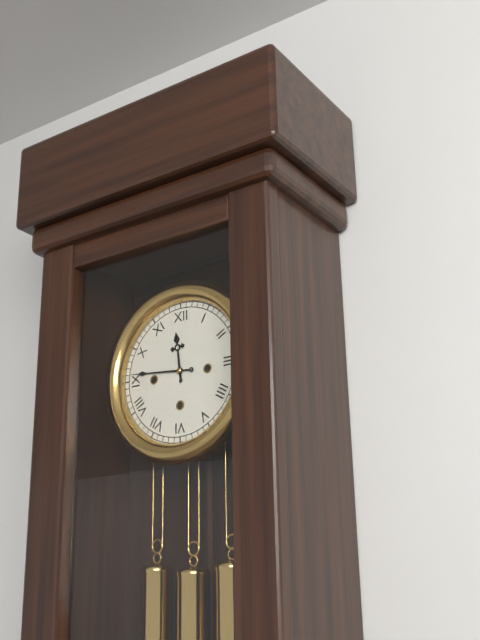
11:46
